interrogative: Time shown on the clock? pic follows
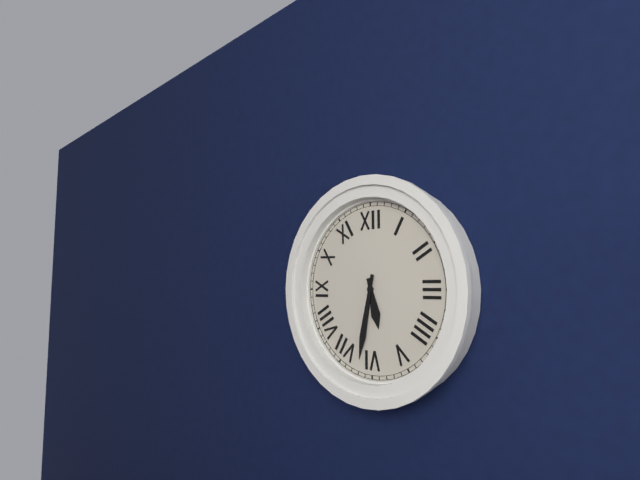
5:32
